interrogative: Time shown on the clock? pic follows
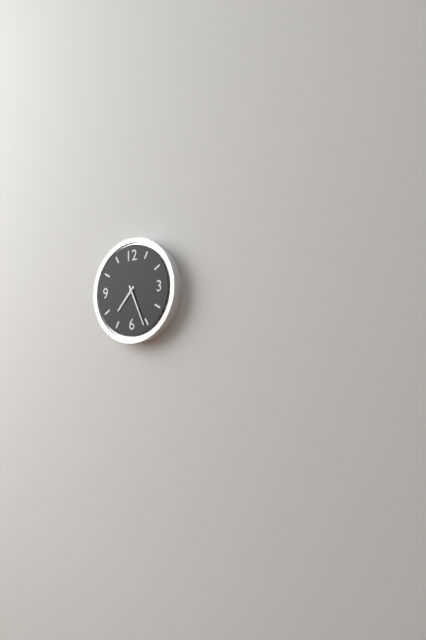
7:26
